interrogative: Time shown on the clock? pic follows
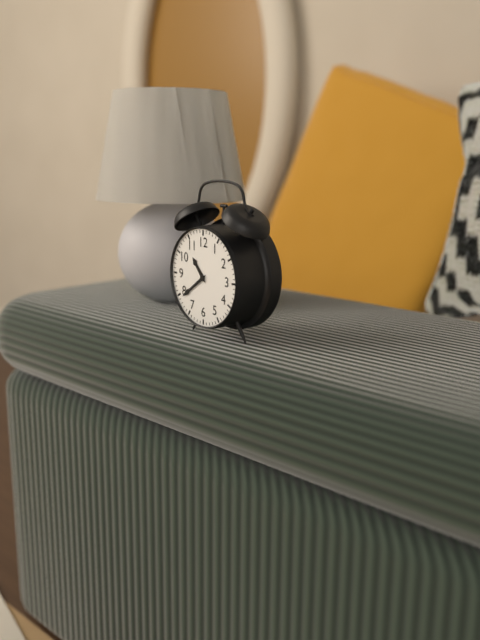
10:39
